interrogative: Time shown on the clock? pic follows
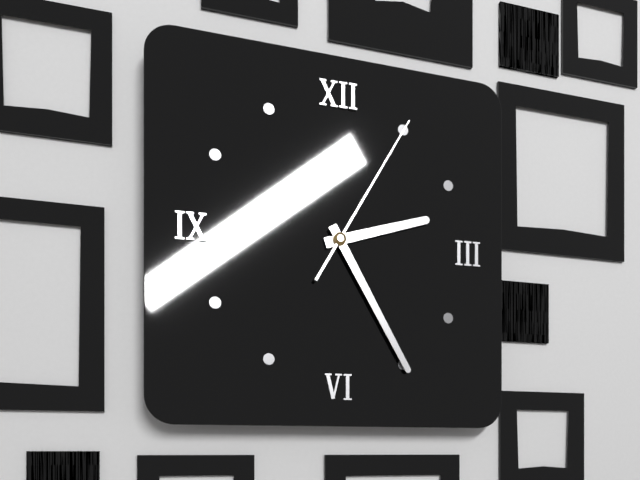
2:25:05
